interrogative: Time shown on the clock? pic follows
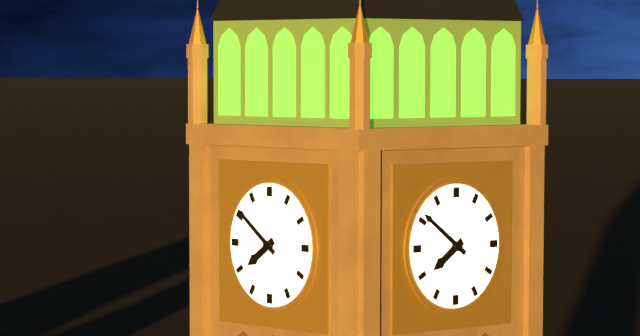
7:51
